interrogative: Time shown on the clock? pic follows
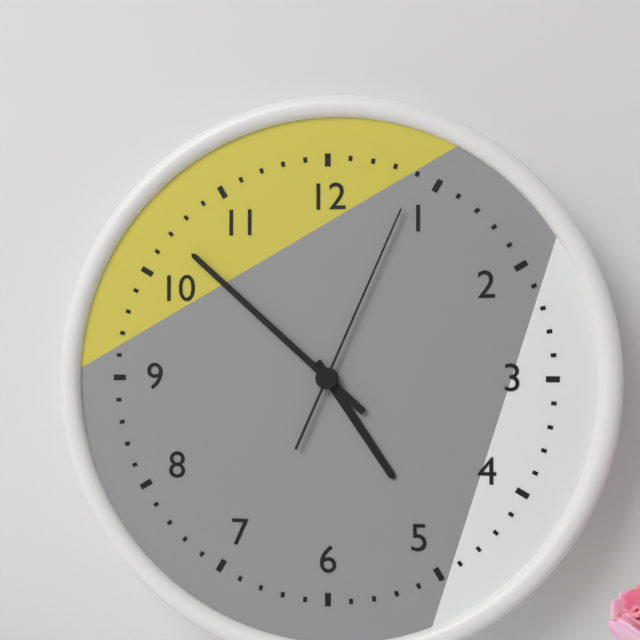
4:52:04
